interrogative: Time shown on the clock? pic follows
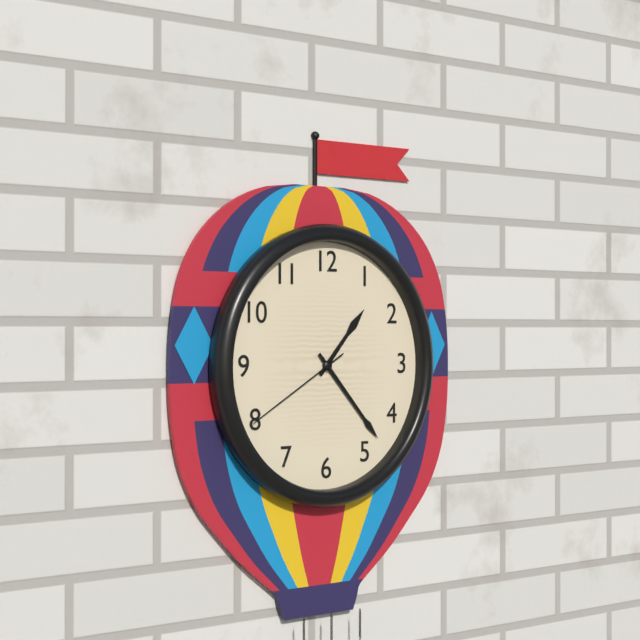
1:23:40
